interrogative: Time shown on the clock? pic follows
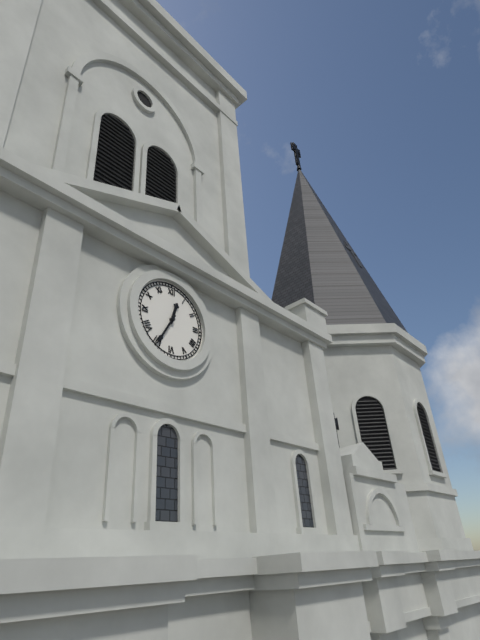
12:35
